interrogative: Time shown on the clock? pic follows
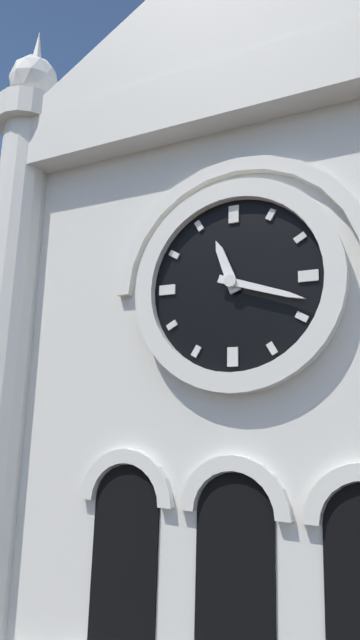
11:18
